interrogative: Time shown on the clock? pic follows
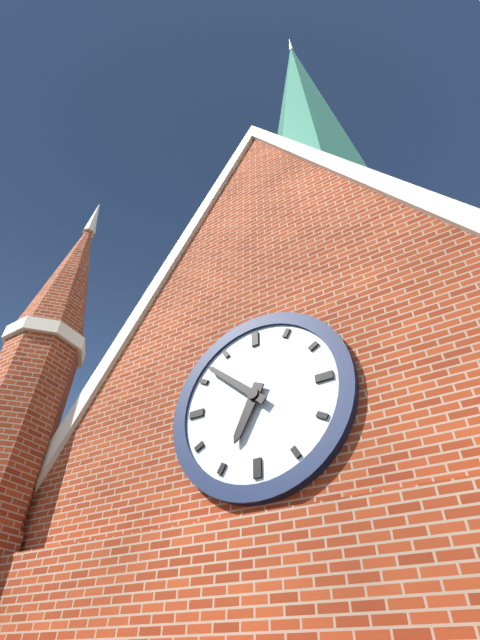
6:52
